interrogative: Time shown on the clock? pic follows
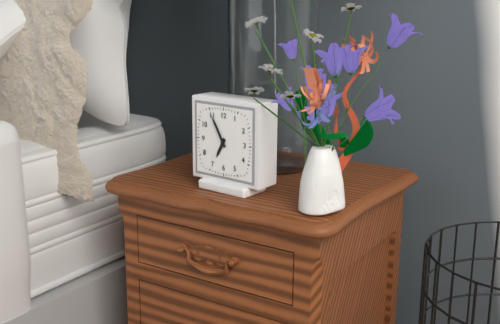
6:55
